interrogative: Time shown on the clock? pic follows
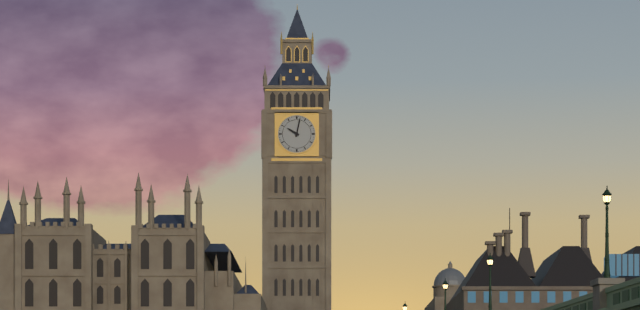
10:02
